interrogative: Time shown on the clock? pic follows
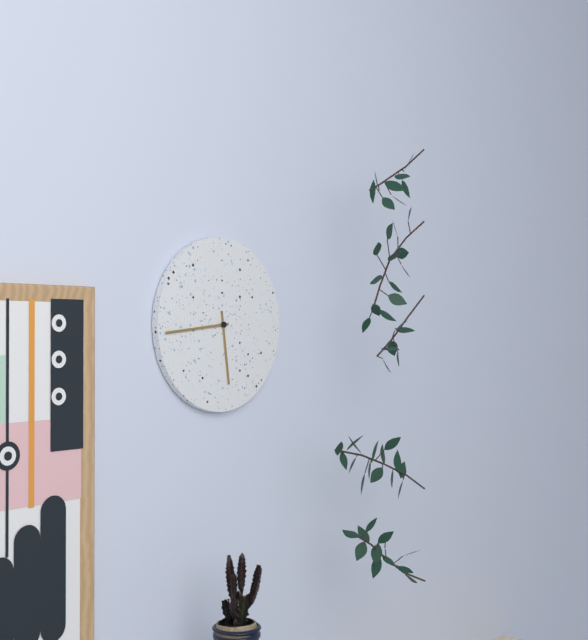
5:44
